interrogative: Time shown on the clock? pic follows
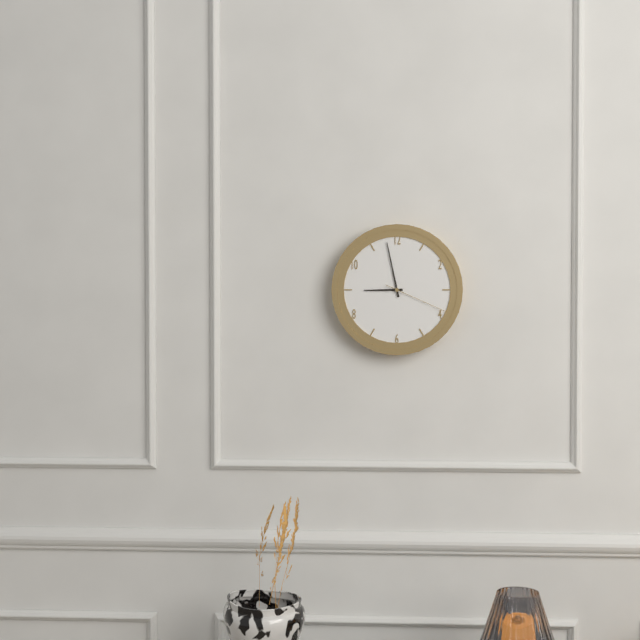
8:58:19
